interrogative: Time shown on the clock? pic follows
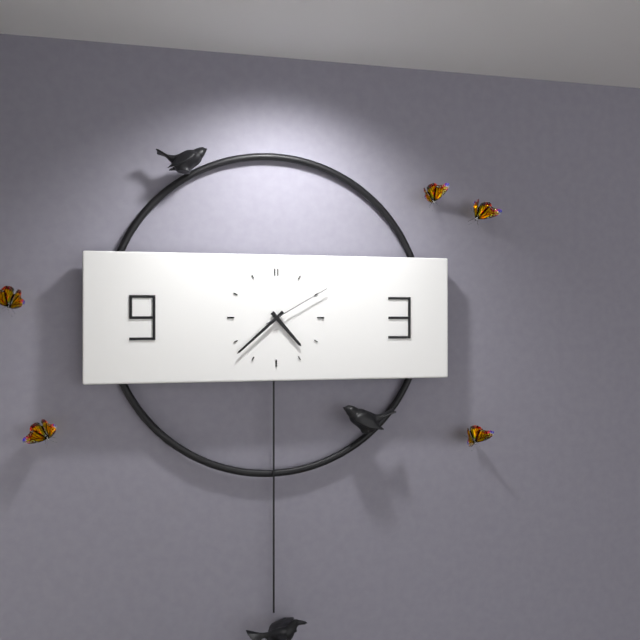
4:38:10
